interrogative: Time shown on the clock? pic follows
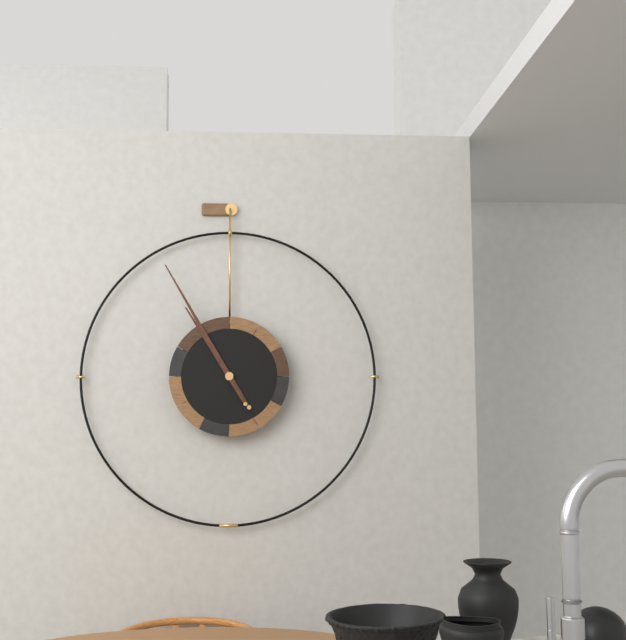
10:55
